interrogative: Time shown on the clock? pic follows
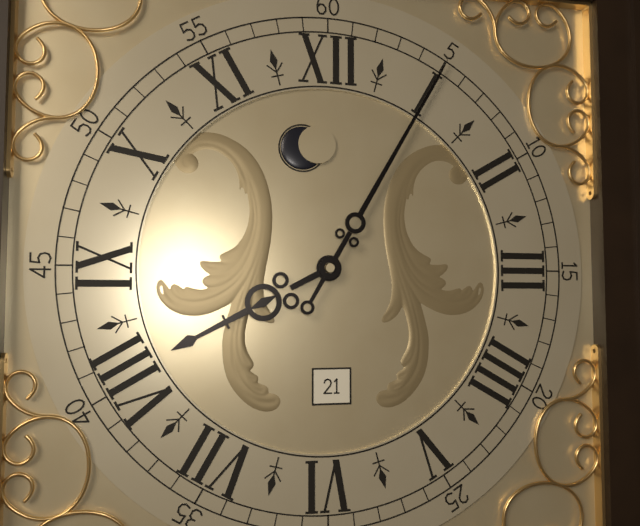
8:05
